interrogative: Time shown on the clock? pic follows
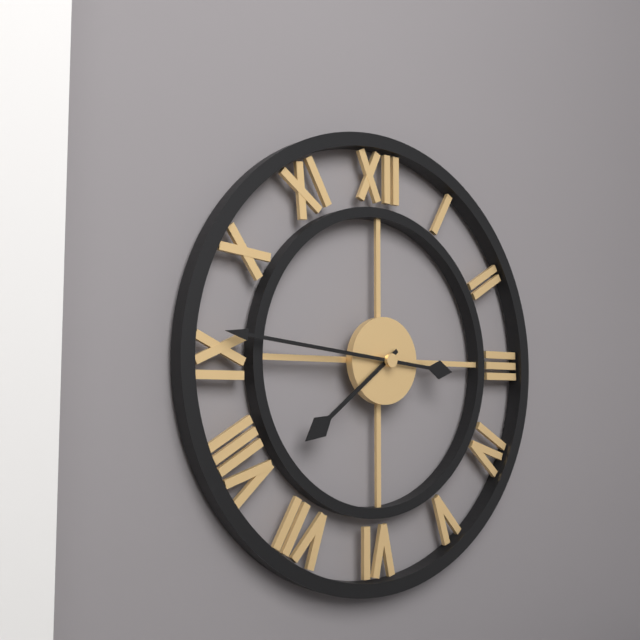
7:46
